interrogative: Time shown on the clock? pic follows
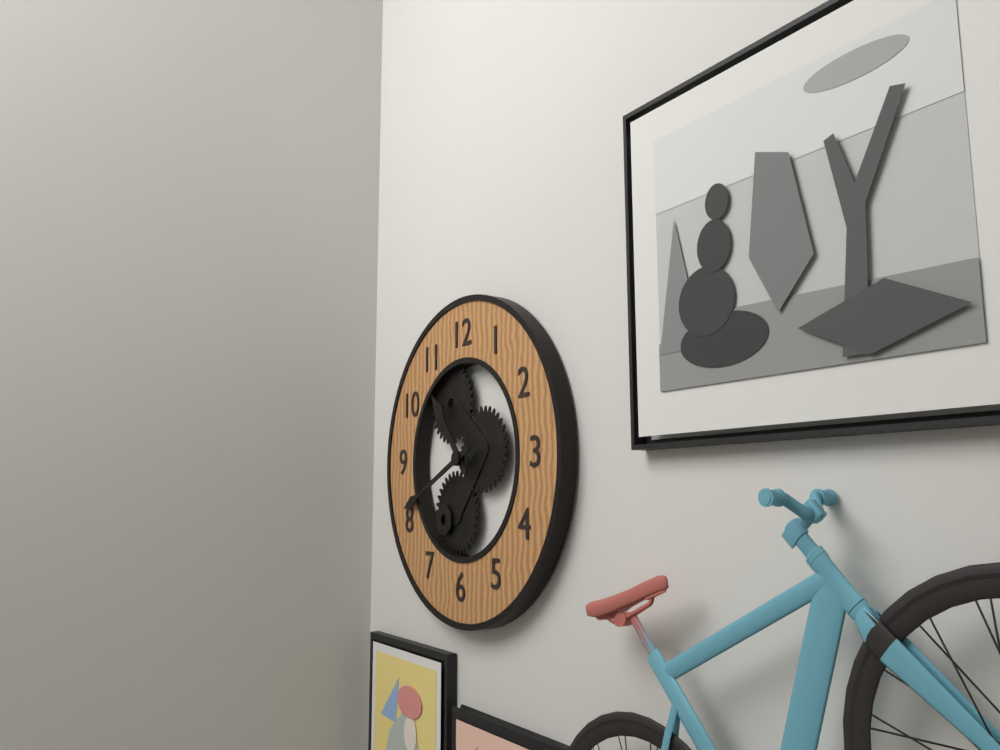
10:41
